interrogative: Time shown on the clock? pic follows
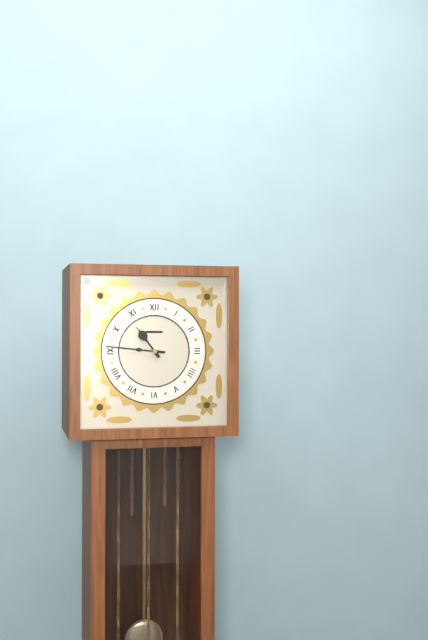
10:46
